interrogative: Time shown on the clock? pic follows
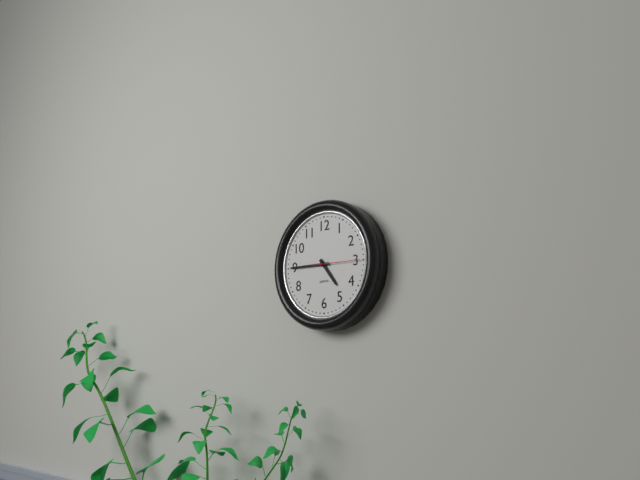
4:45
